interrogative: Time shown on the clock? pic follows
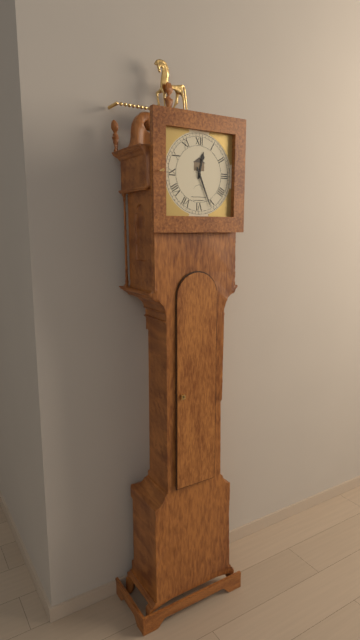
12:26
